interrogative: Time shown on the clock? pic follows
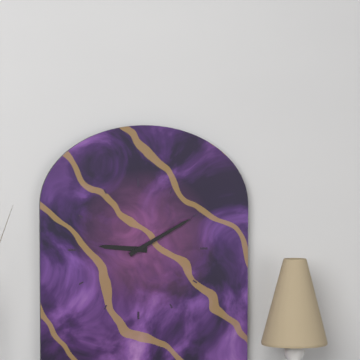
9:10
